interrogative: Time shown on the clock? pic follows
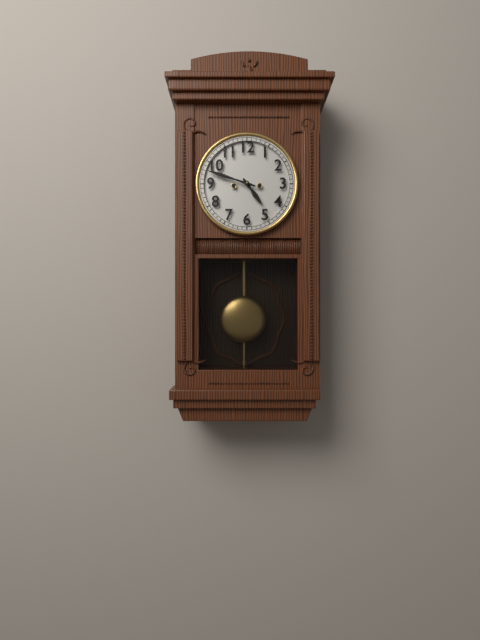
4:48
